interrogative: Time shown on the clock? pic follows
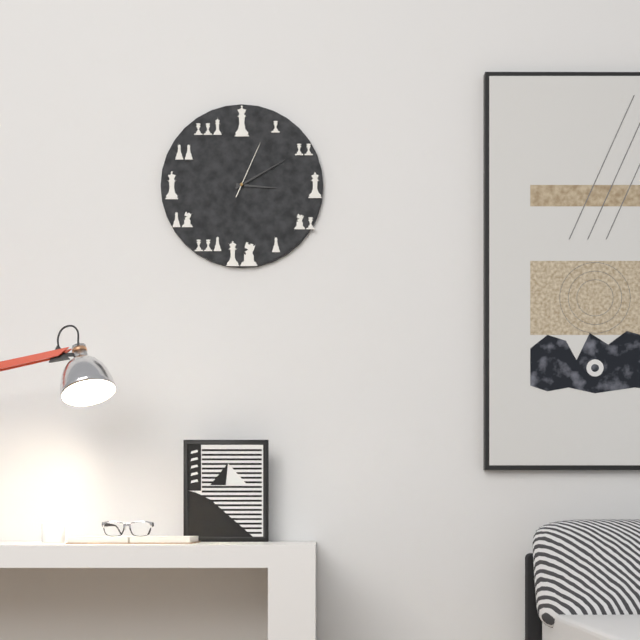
3:10:04
